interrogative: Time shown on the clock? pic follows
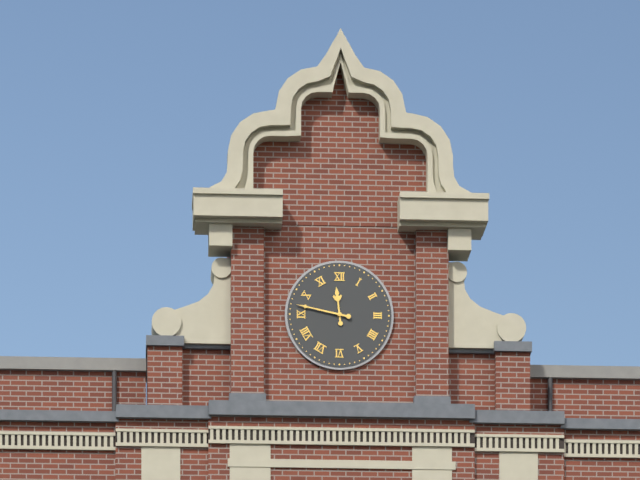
11:47
